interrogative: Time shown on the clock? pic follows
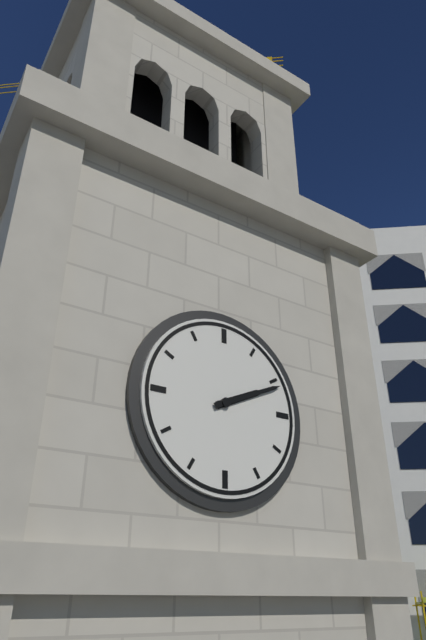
2:11
